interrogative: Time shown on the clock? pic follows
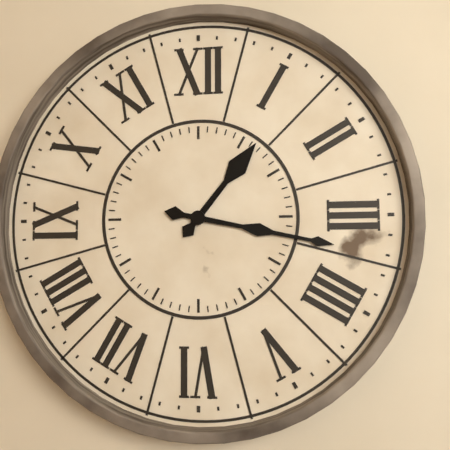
1:17
